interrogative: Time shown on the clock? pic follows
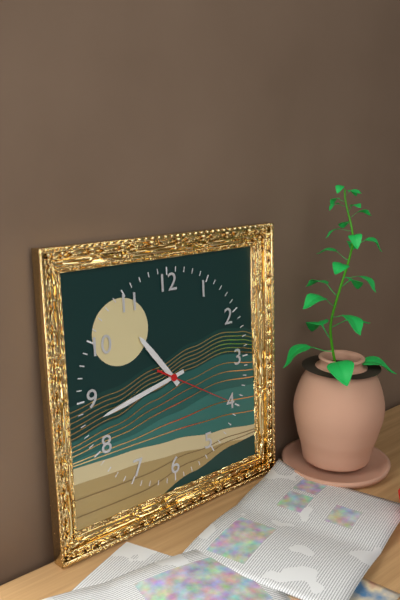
10:43:20
